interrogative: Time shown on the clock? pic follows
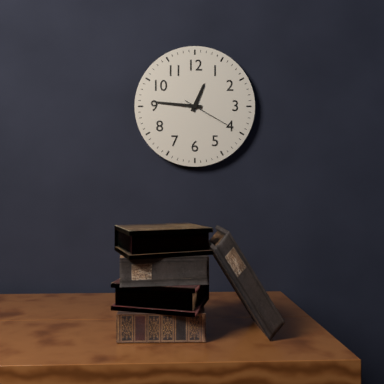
12:46:20
